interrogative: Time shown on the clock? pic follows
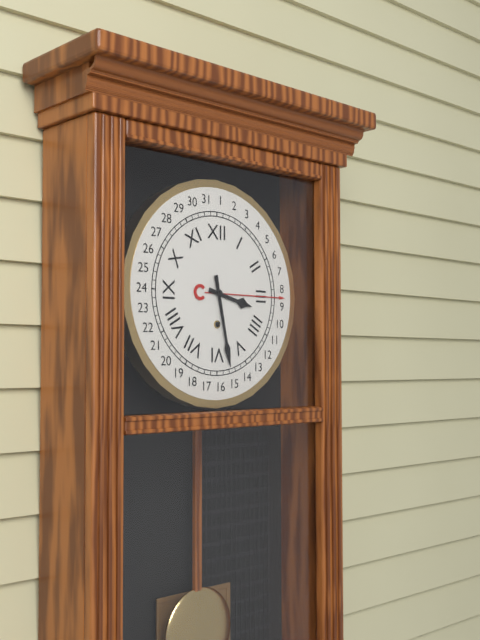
3:28
